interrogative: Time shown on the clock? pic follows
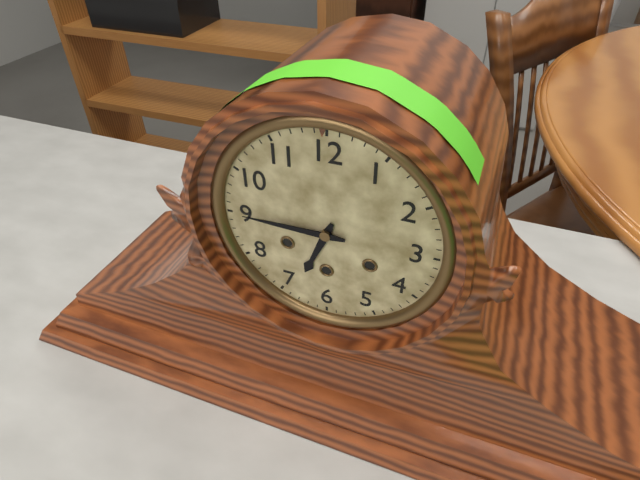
6:45
